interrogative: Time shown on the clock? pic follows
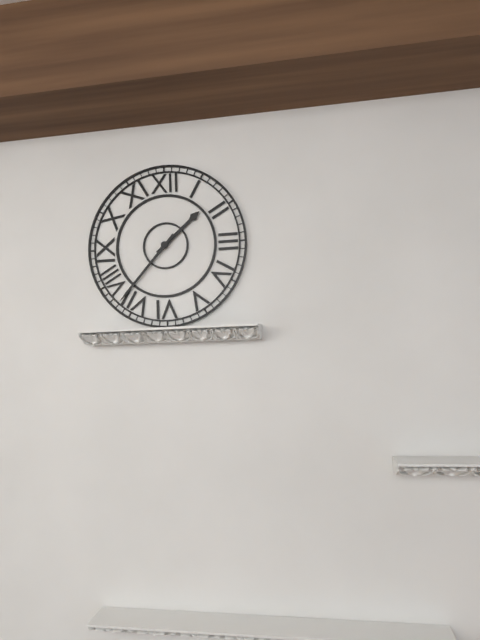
1:37
